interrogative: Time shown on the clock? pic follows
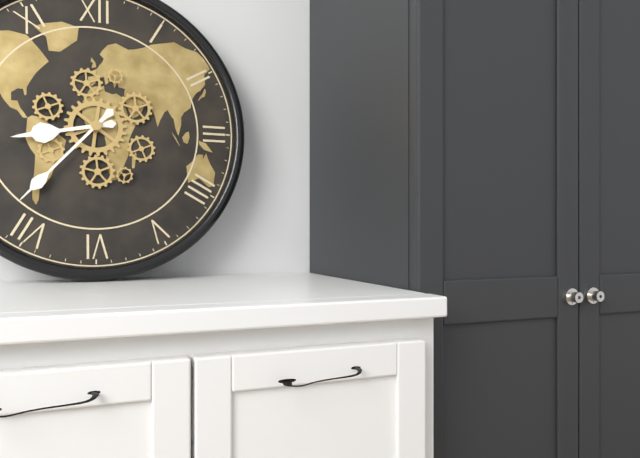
8:37
